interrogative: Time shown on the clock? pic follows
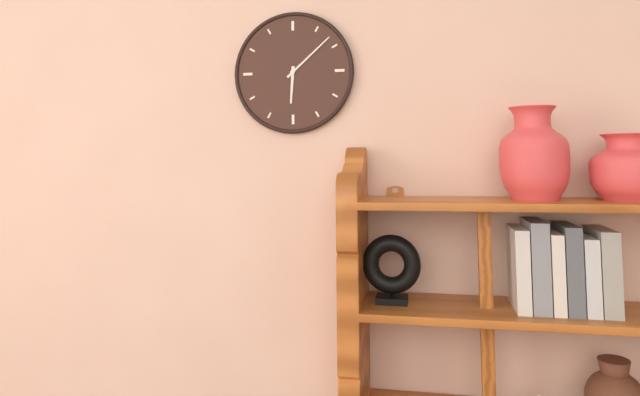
6:08
